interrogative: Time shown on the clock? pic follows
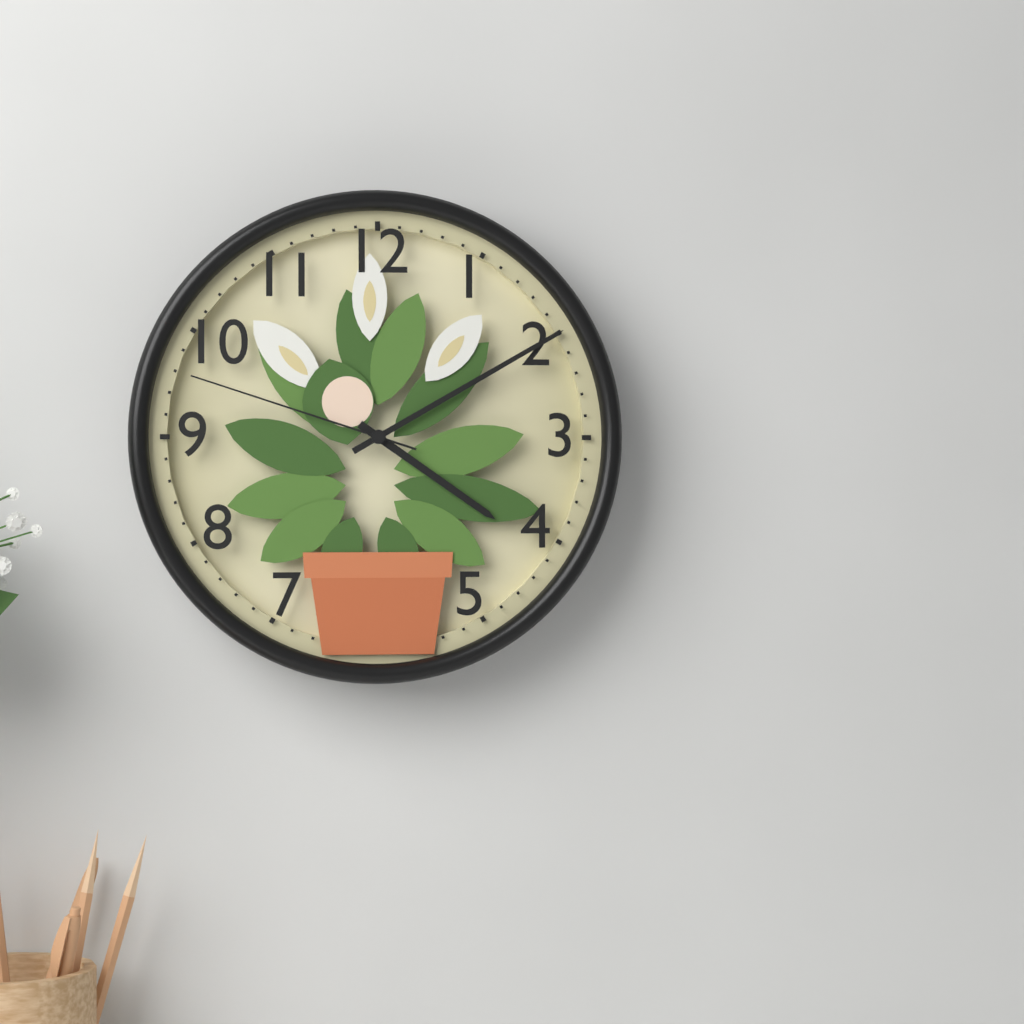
4:10:48
